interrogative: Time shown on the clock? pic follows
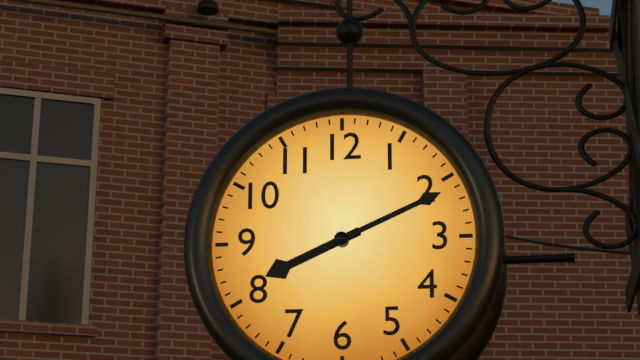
8:11
